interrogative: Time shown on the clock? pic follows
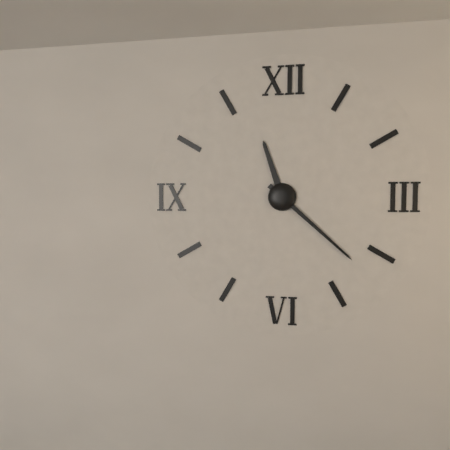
11:22
